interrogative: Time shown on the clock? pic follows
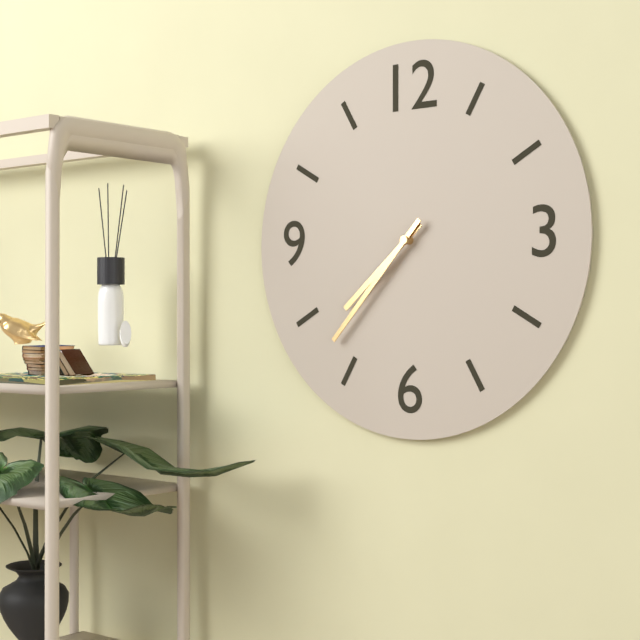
7:37
